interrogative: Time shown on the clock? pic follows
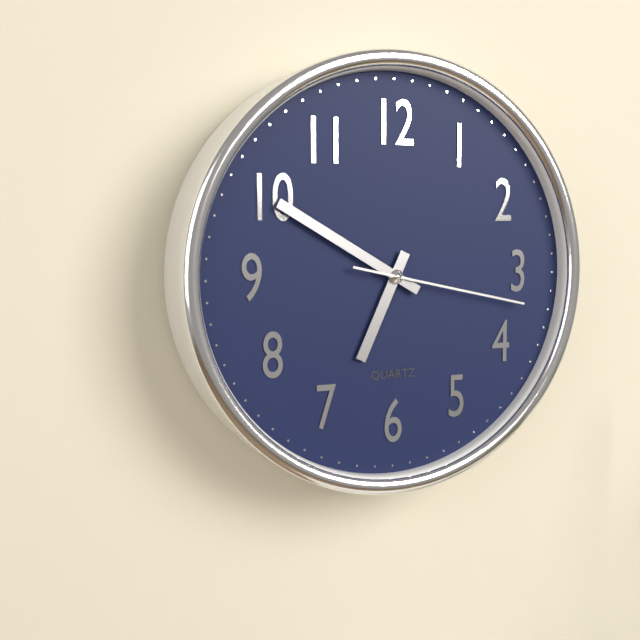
6:50:17
